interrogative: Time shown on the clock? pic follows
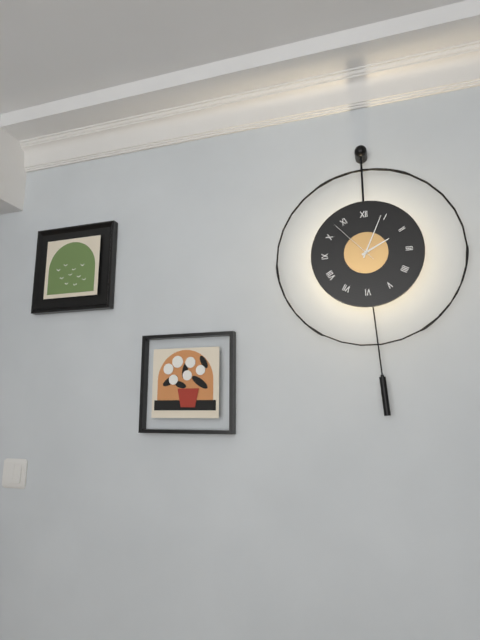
2:04:53
